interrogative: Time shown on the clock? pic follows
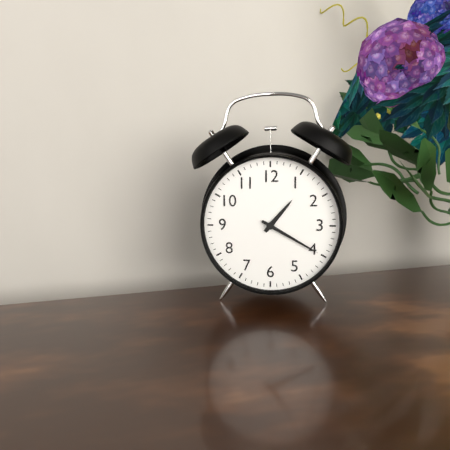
1:20
